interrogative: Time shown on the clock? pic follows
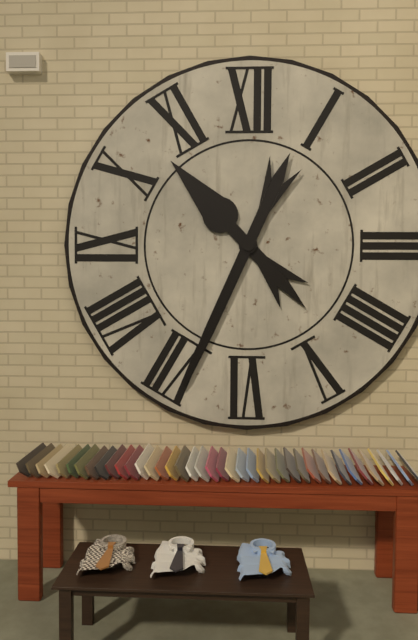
10:34
